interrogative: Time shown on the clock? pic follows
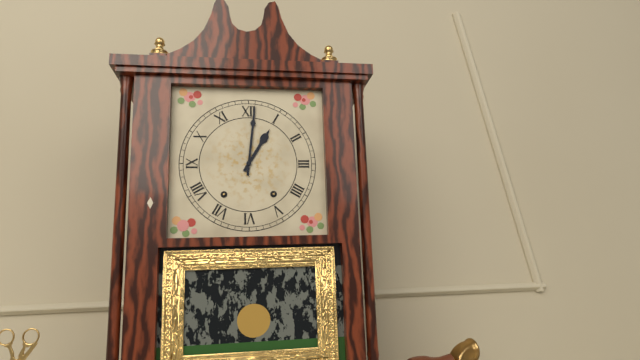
1:01
